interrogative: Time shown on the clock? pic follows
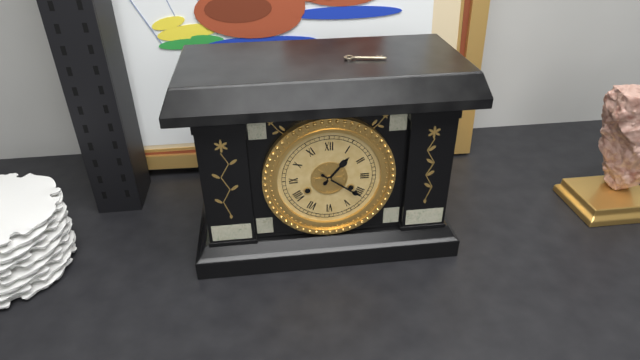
1:21
